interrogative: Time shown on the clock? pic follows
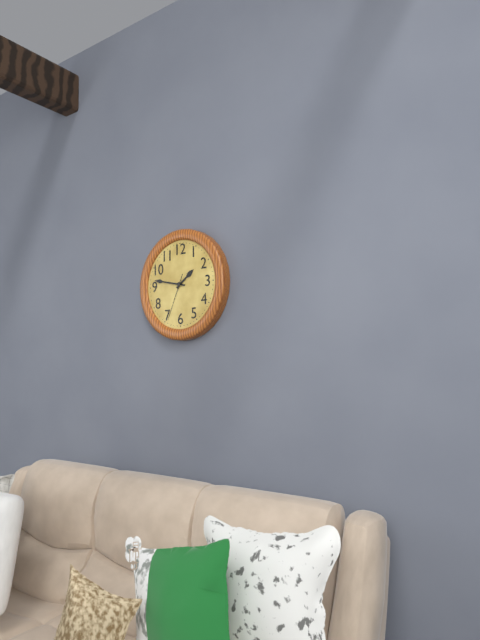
1:47
